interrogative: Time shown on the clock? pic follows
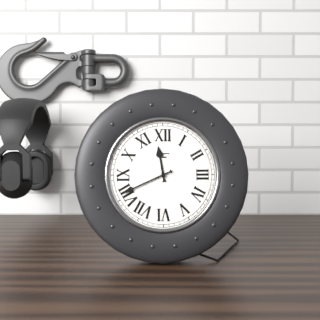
11:41
